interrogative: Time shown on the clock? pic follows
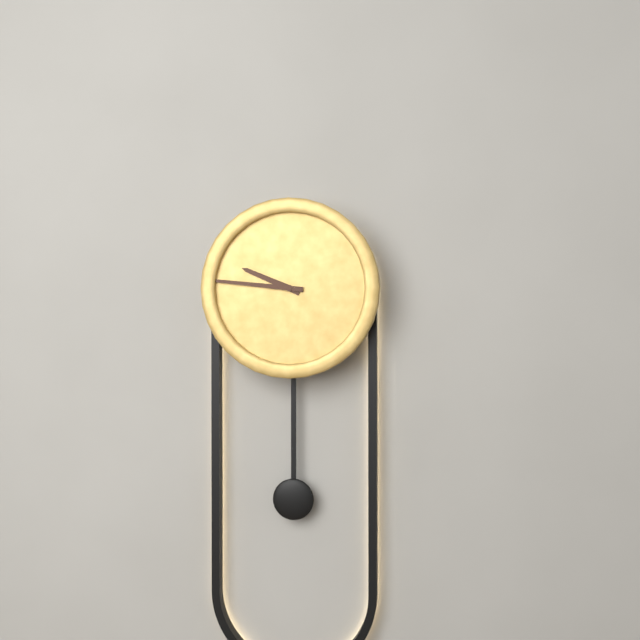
9:46
